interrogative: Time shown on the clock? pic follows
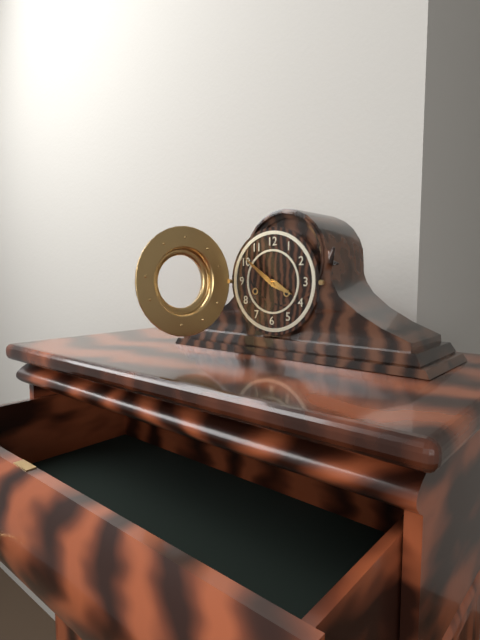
3:51
